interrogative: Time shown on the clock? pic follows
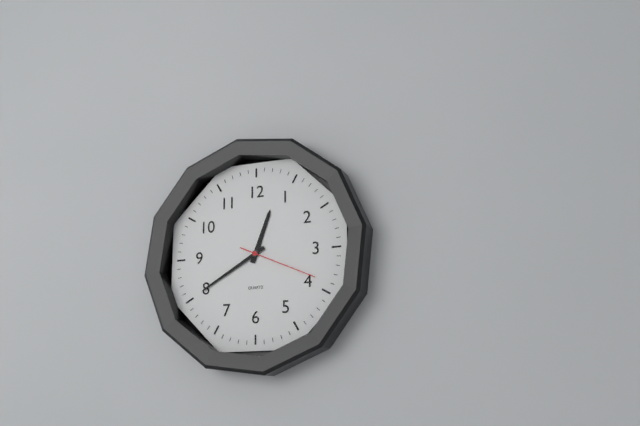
12:40:19
